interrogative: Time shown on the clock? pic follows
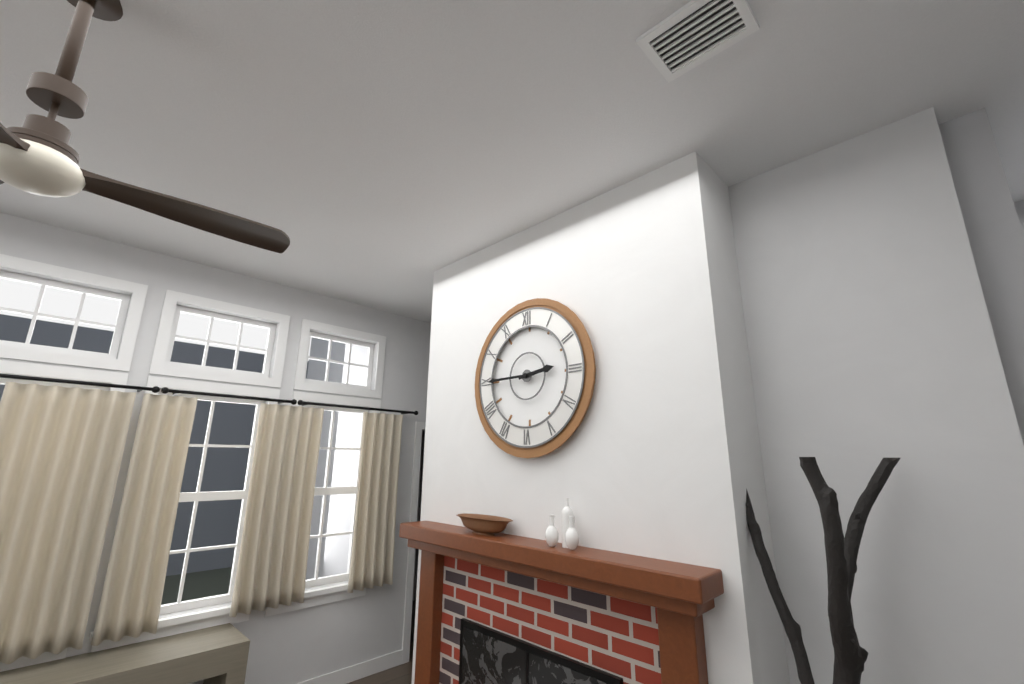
2:45
